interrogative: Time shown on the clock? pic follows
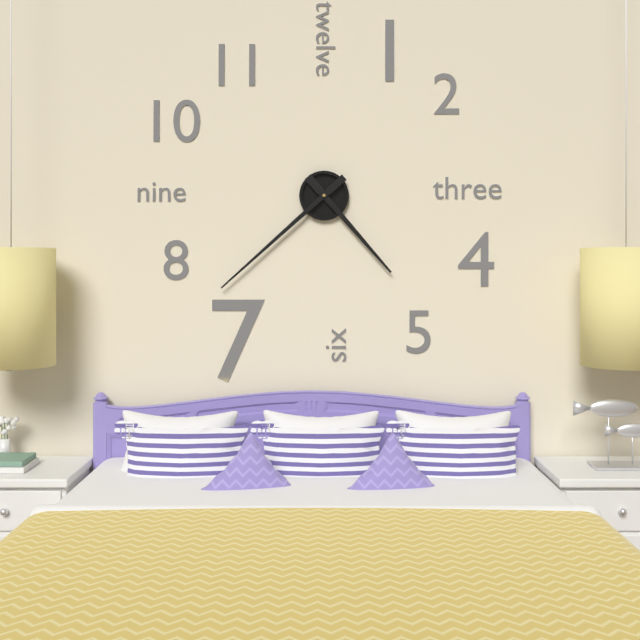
4:38
